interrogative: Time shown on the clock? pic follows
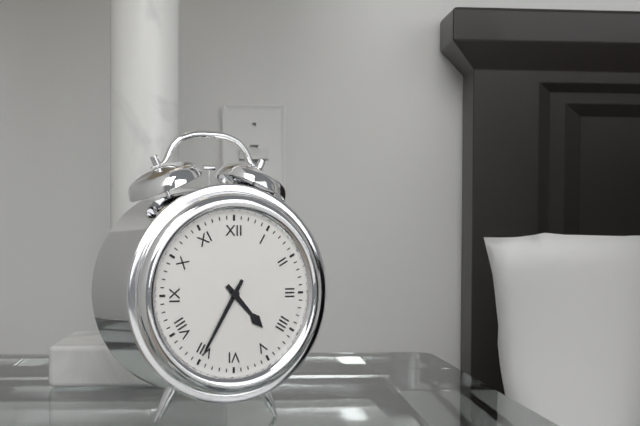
4:35
